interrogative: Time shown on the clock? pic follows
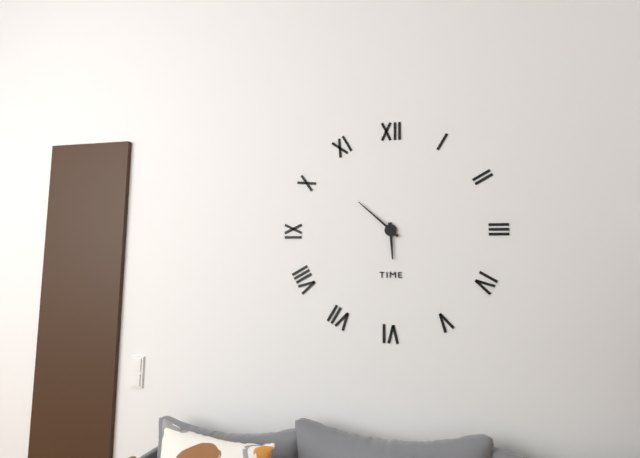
5:52
